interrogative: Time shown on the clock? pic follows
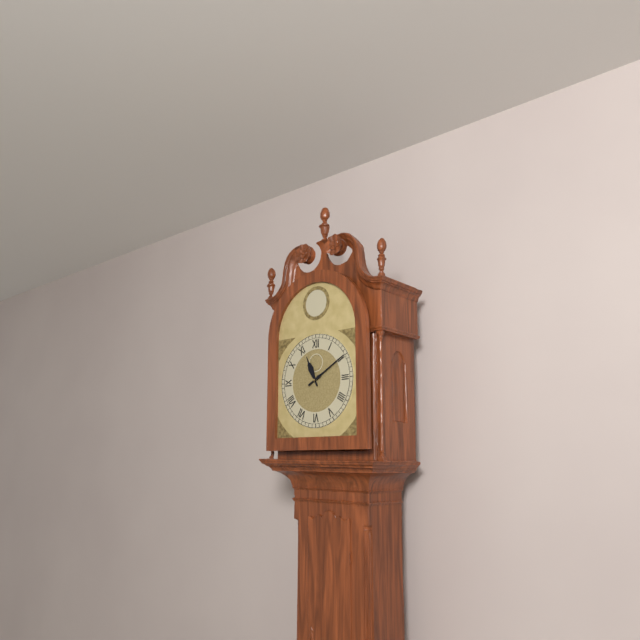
11:10
